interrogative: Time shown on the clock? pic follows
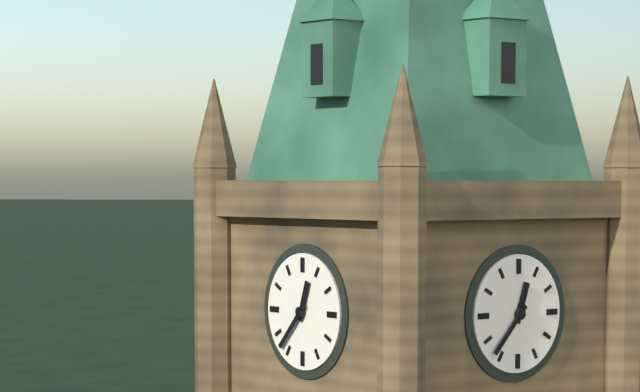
12:37
